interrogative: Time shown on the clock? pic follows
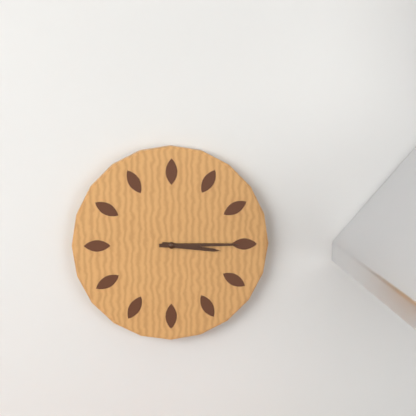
3:15
